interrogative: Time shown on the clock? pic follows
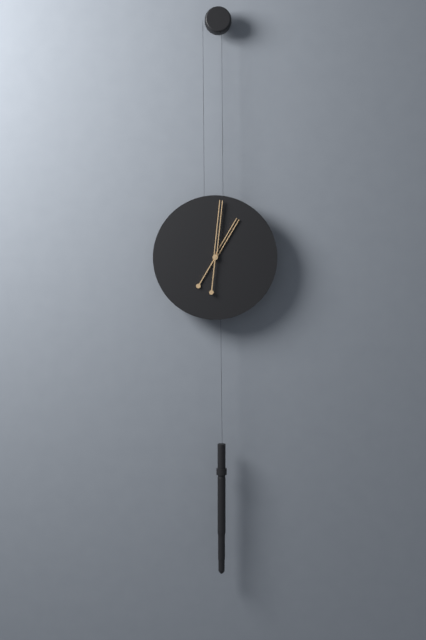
1:01
